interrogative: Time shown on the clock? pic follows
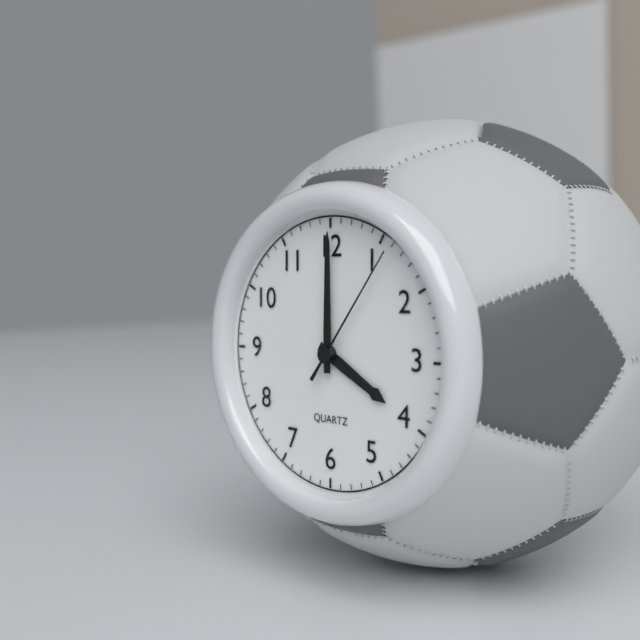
4:00:06
